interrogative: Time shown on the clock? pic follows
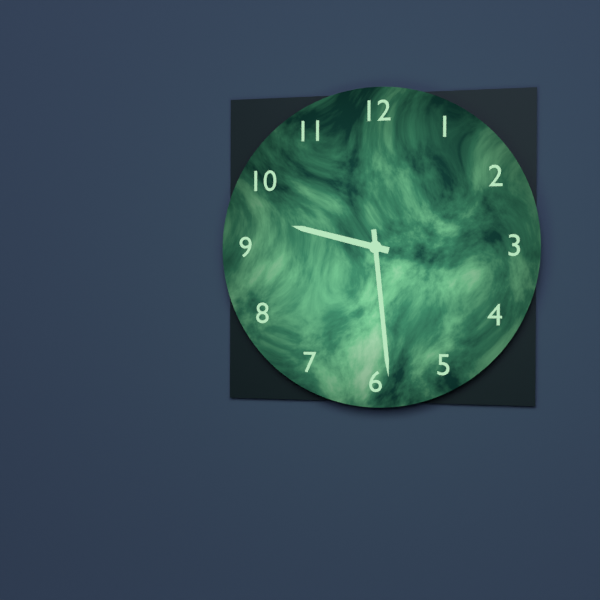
9:29
